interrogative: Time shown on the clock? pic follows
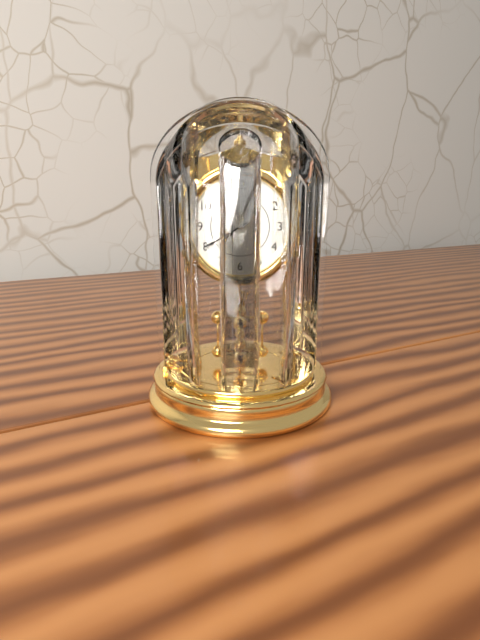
7:40
